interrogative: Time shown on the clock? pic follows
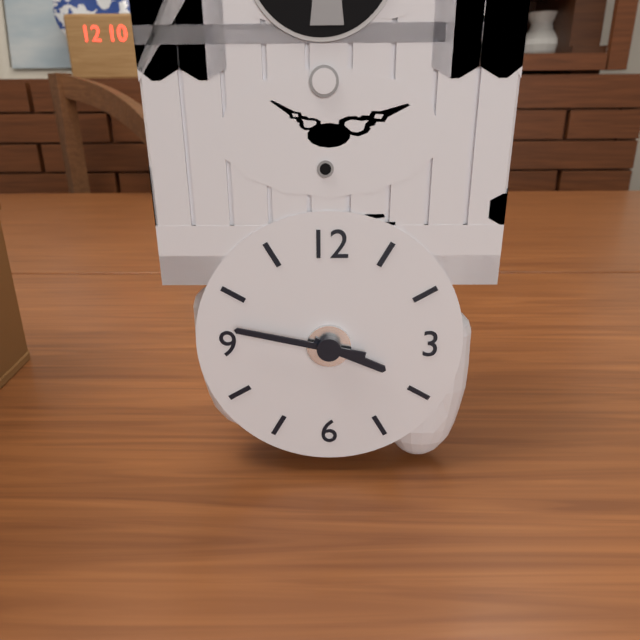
3:47
